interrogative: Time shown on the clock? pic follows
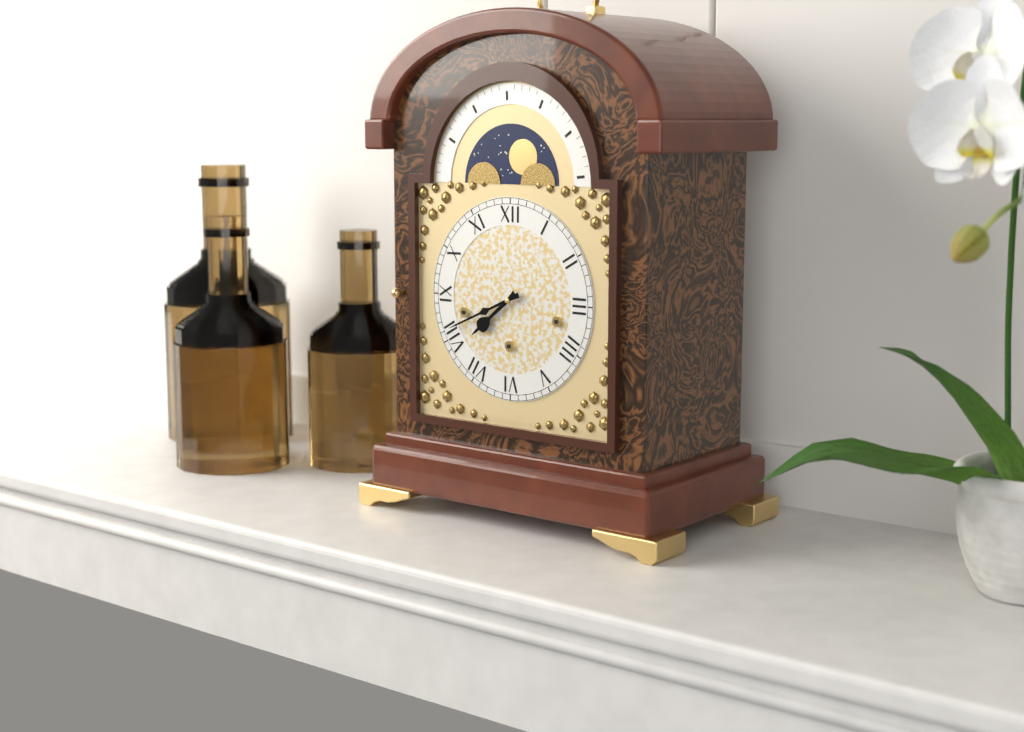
7:41
